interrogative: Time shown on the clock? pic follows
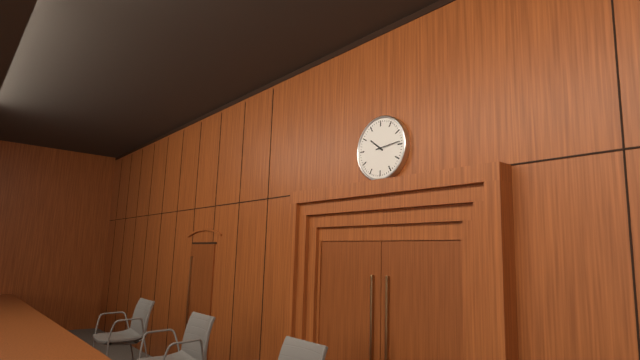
10:14
